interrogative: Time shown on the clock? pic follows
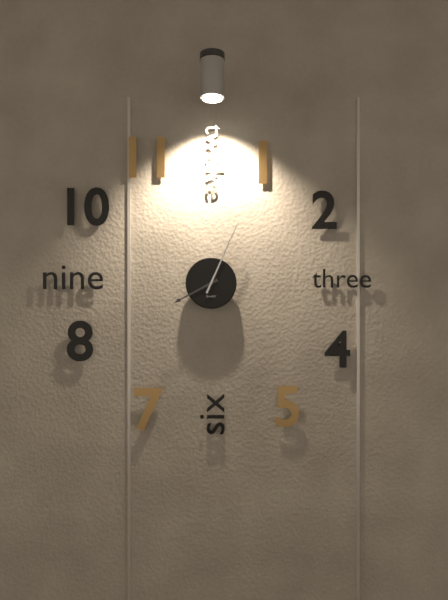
8:04
